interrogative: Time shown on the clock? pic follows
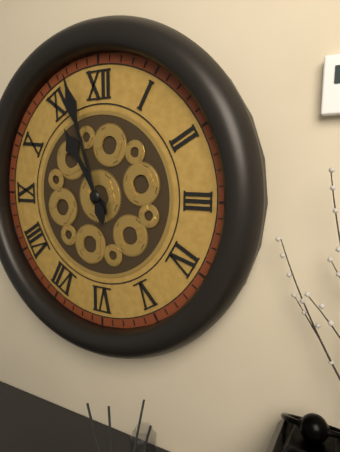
10:57
